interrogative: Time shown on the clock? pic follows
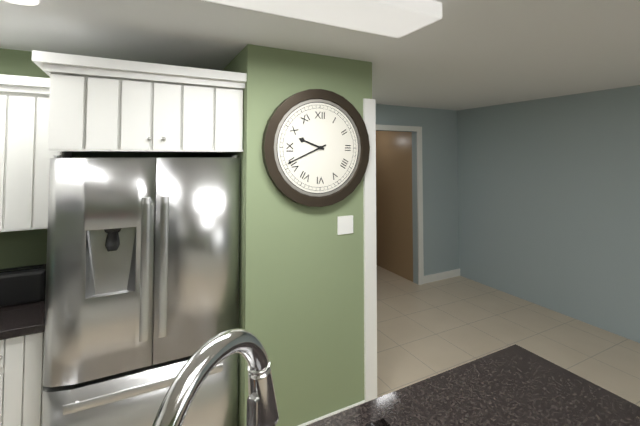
9:41
